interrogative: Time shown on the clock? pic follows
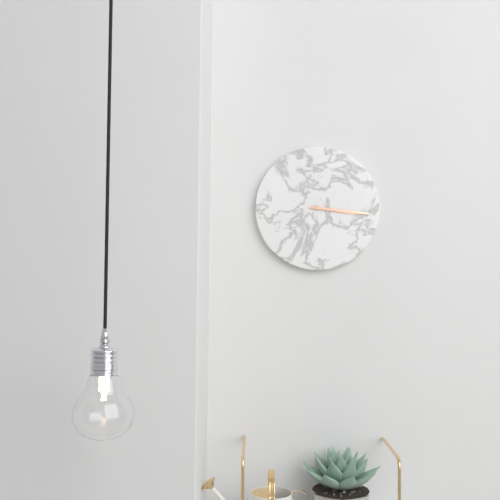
3:16
